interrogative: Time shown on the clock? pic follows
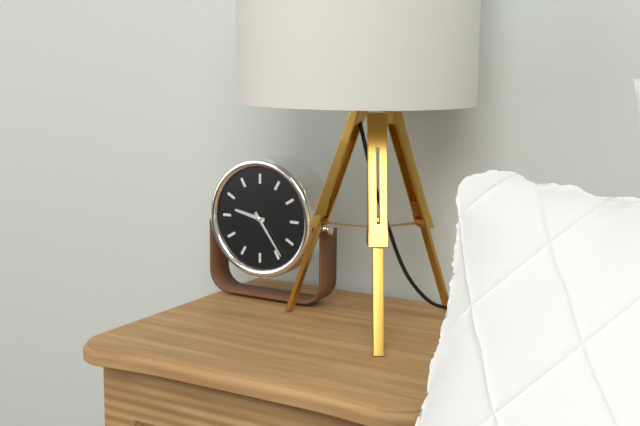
9:24
